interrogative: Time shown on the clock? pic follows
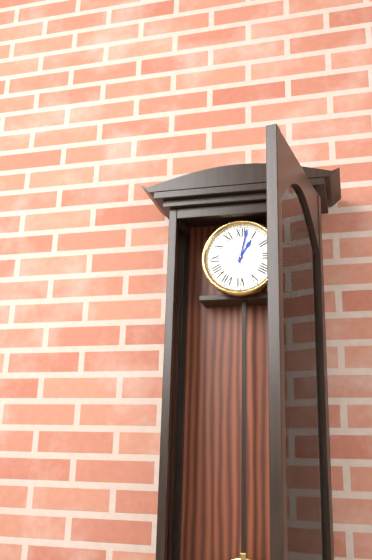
1:02
